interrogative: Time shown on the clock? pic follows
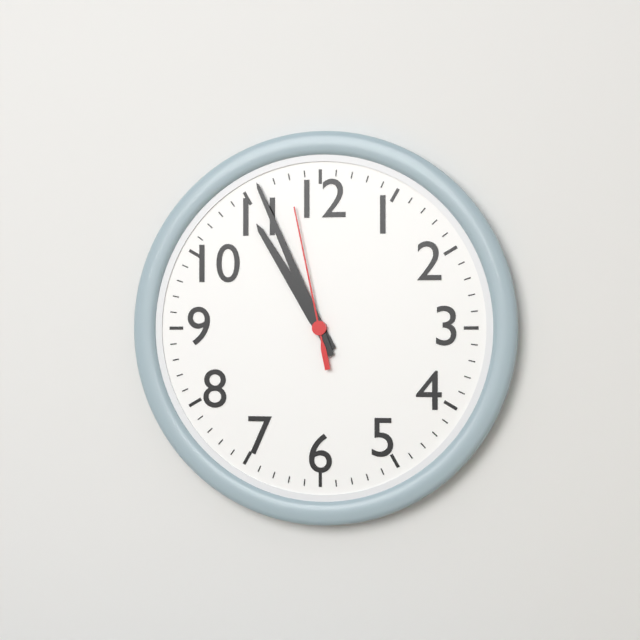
10:56:58
